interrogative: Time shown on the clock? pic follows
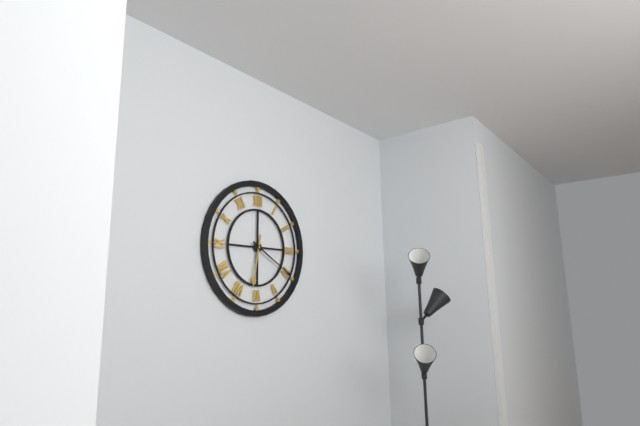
6:20
